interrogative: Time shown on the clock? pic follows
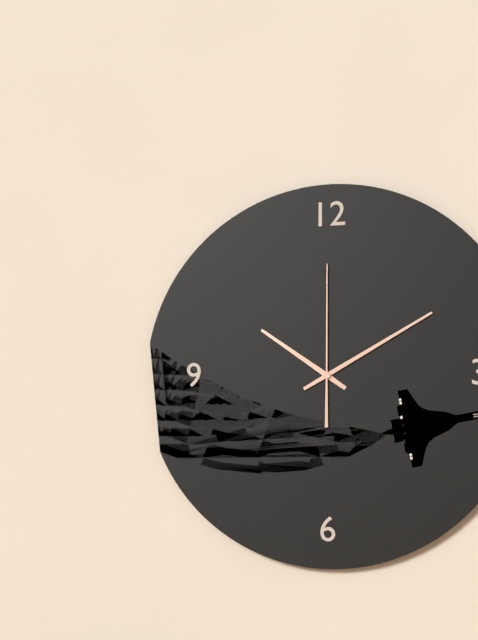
10:10:00
